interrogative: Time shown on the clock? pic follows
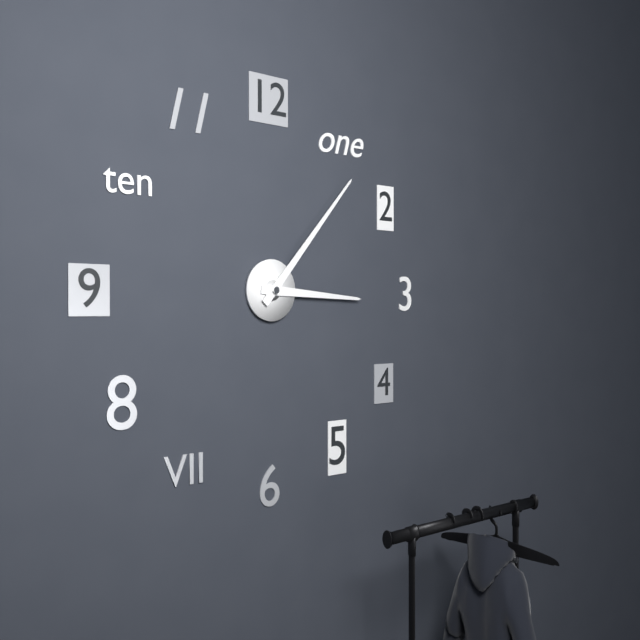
3:07
